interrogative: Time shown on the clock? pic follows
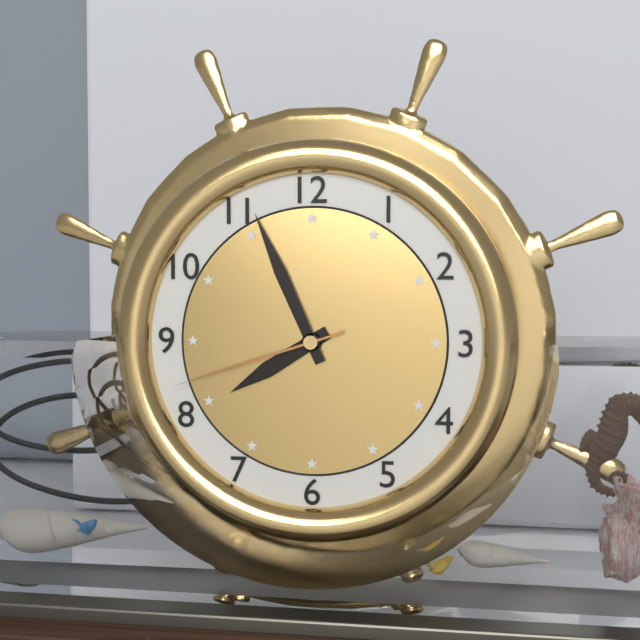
7:56:42
